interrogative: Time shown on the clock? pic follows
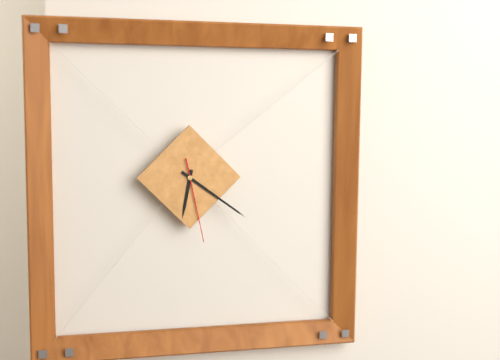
6:21:28
